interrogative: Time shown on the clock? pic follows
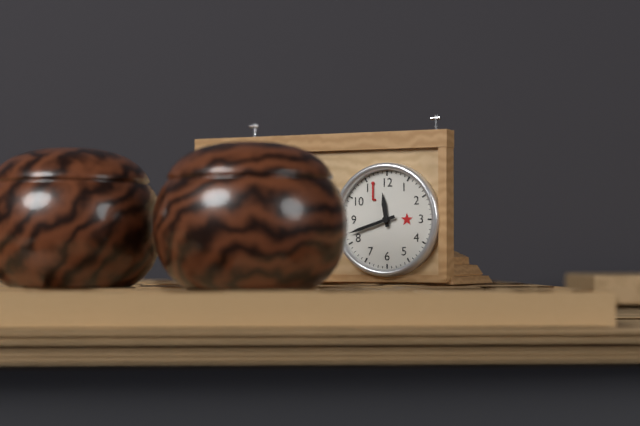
11:42
